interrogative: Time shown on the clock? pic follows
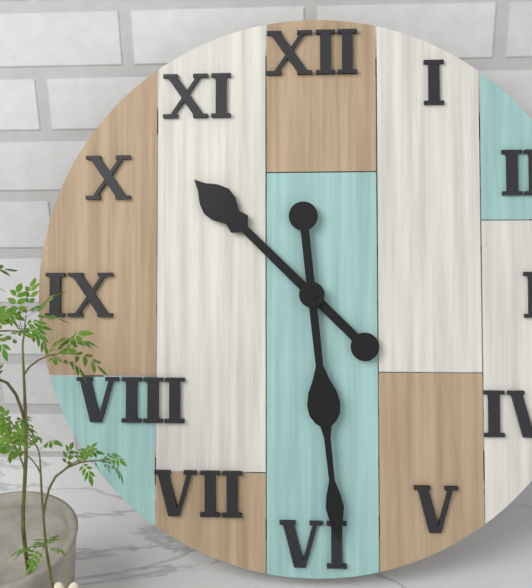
10:29
